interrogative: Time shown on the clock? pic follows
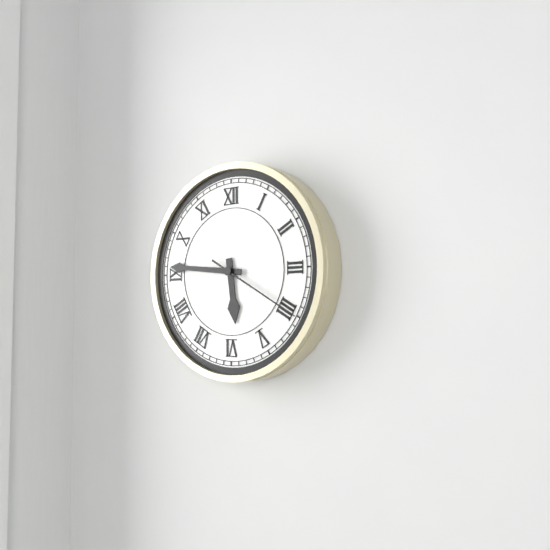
5:46:20
